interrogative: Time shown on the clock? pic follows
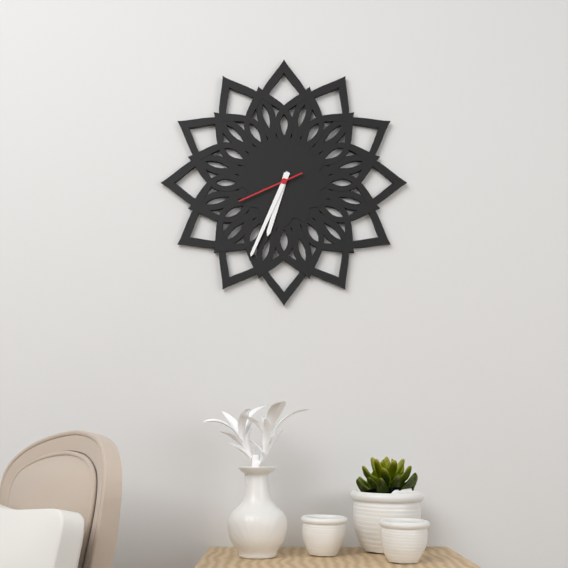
6:34:41
